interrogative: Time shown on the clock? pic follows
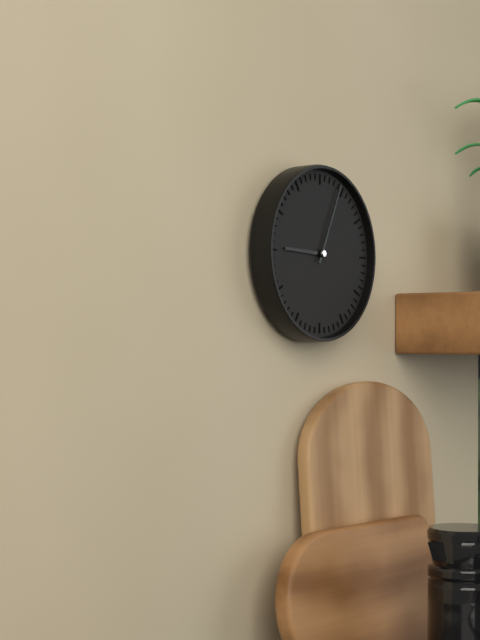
9:04
